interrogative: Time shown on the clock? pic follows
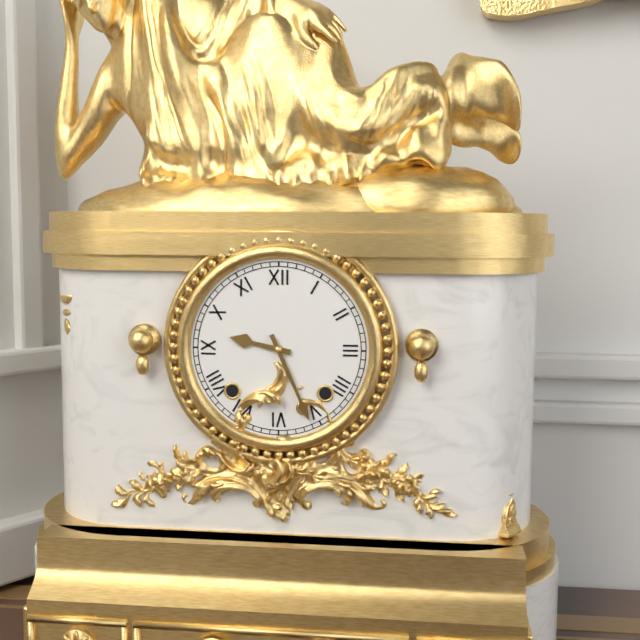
9:26
